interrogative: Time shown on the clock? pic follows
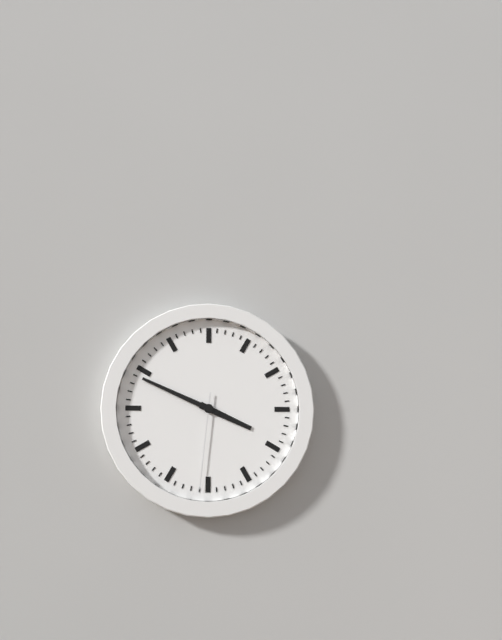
3:49:31
